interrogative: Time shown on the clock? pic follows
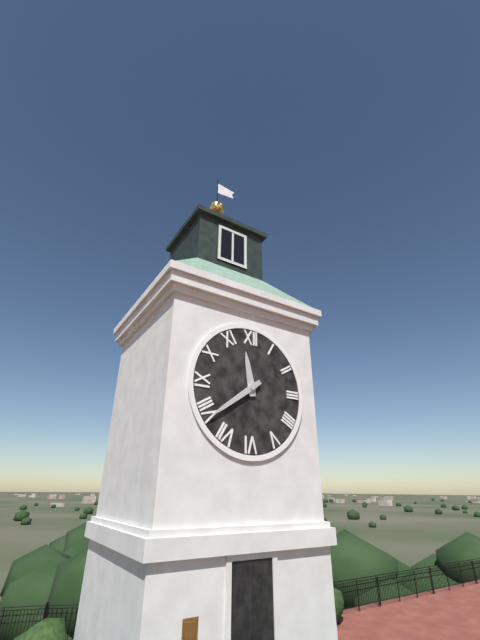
11:39
